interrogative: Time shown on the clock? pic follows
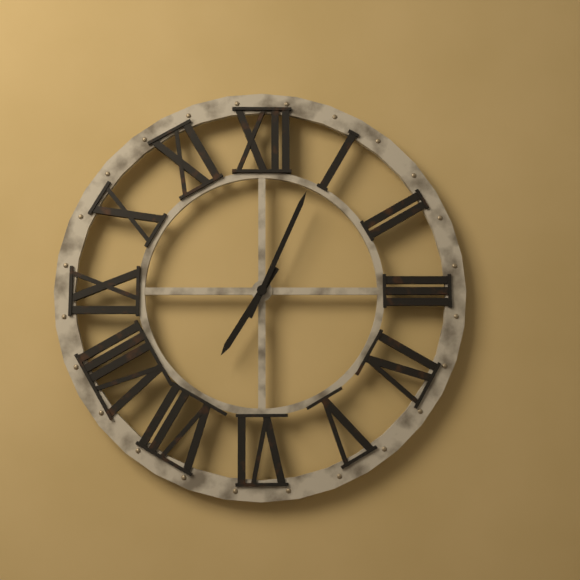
7:04
